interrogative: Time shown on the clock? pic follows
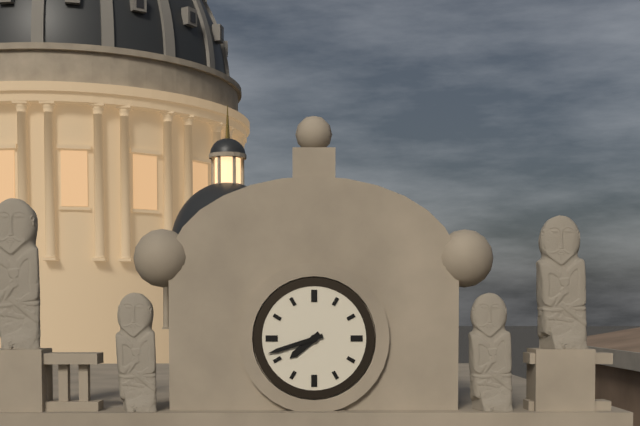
7:42
